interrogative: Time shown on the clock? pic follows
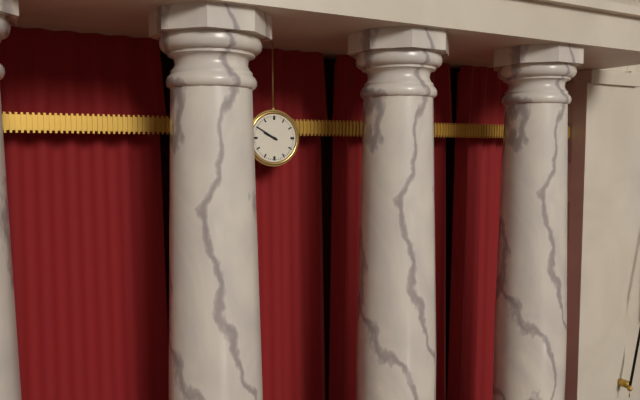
9:50
